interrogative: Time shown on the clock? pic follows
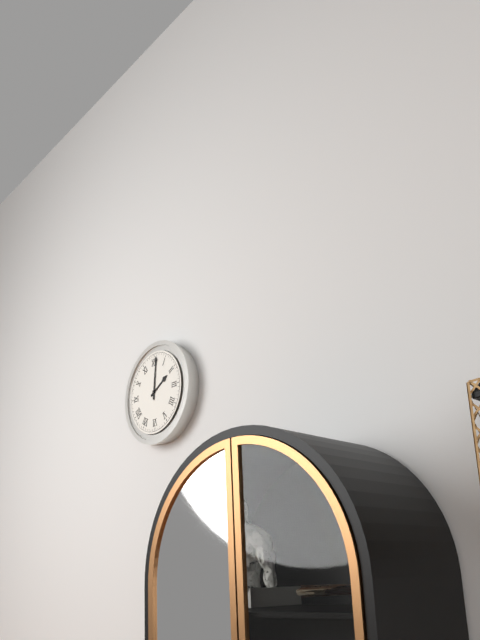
2:01
